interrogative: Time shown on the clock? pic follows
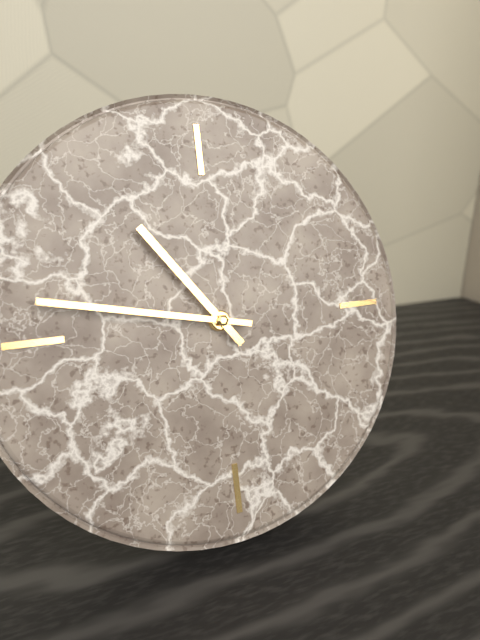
10:47
